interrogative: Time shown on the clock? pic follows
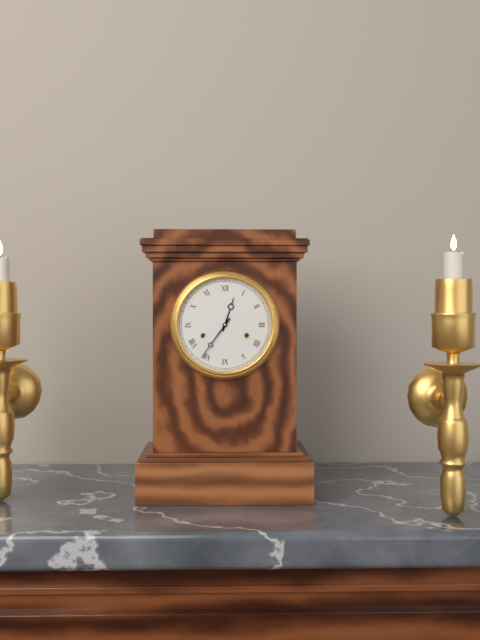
12:36
